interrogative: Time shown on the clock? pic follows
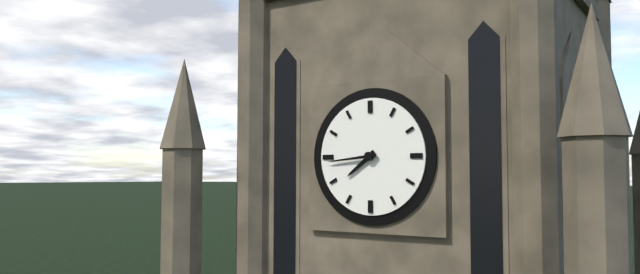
7:44
